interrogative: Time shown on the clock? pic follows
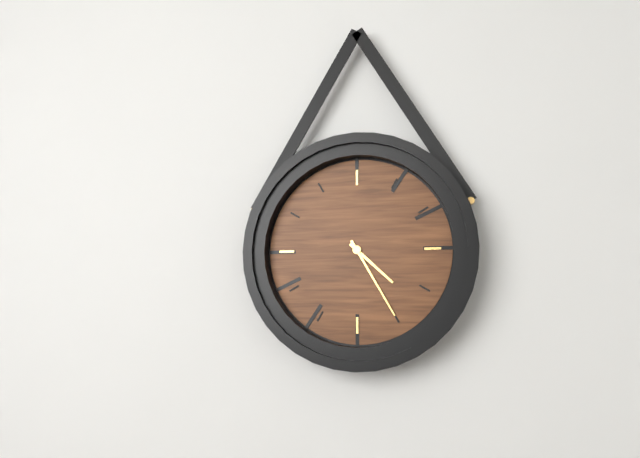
4:25
